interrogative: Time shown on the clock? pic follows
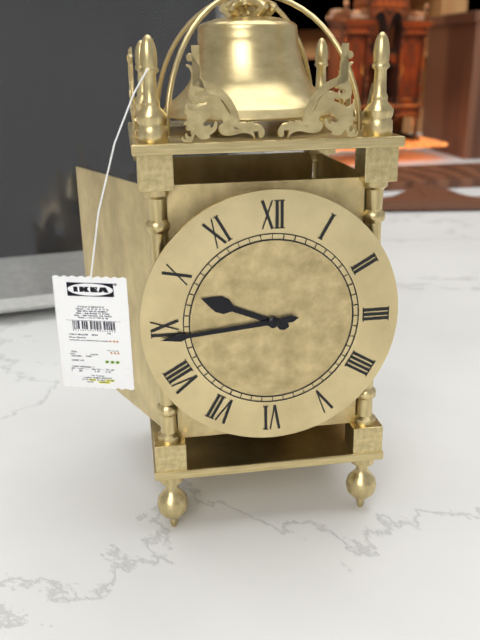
9:44
